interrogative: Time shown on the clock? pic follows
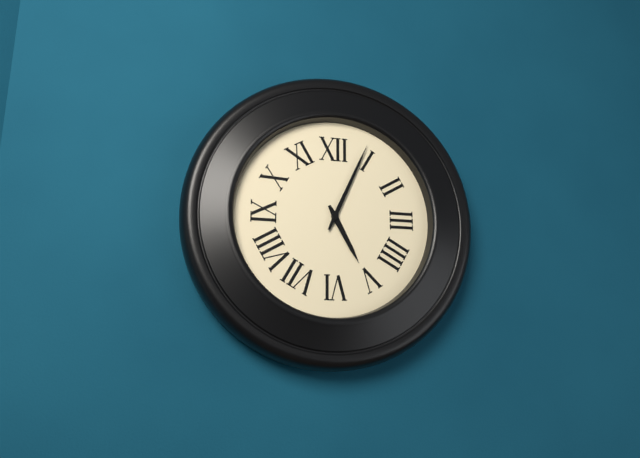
5:04
